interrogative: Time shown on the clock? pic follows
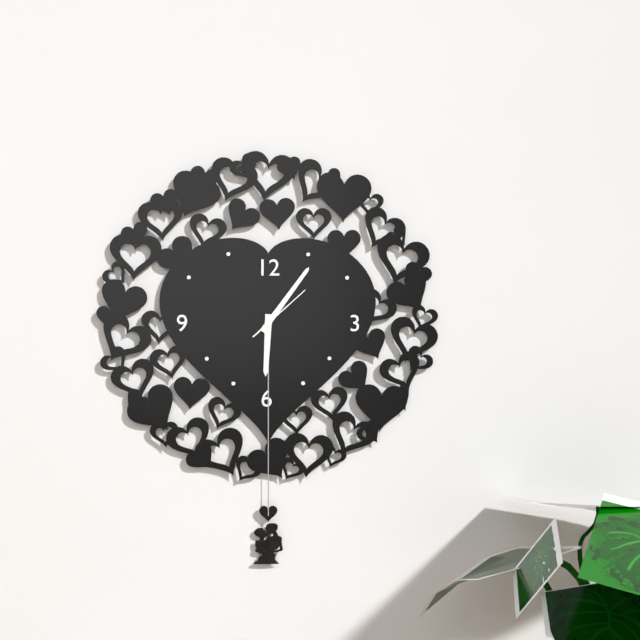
6:06:08
